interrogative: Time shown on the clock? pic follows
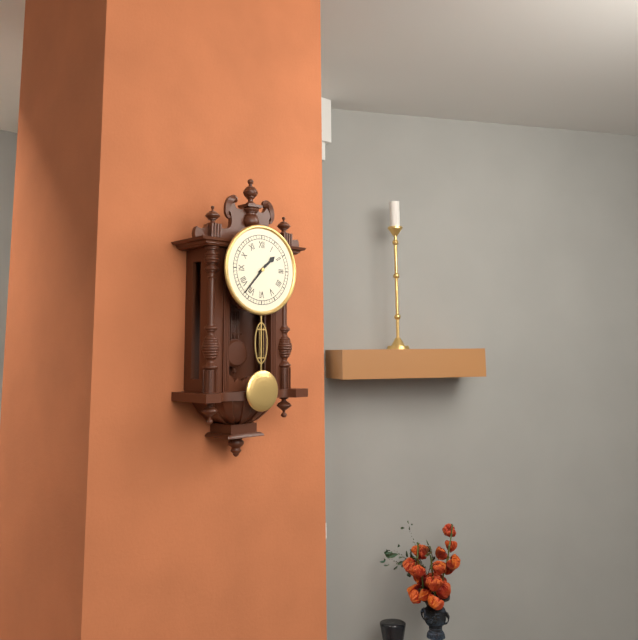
1:37
